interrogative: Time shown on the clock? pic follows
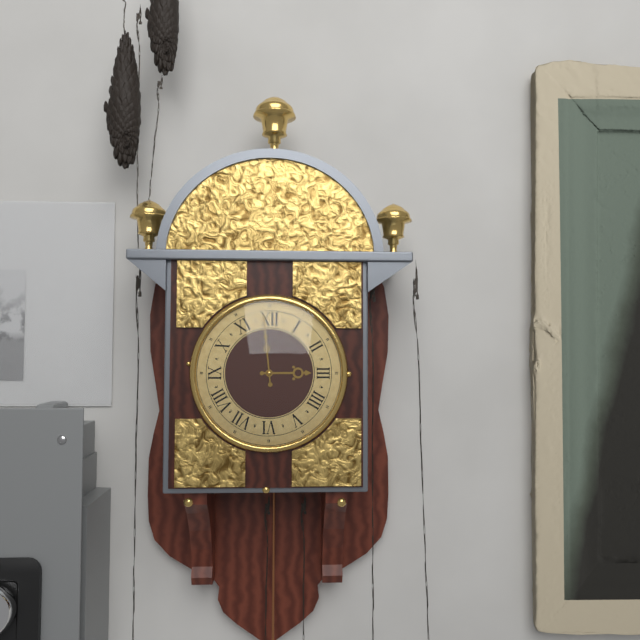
2:59
